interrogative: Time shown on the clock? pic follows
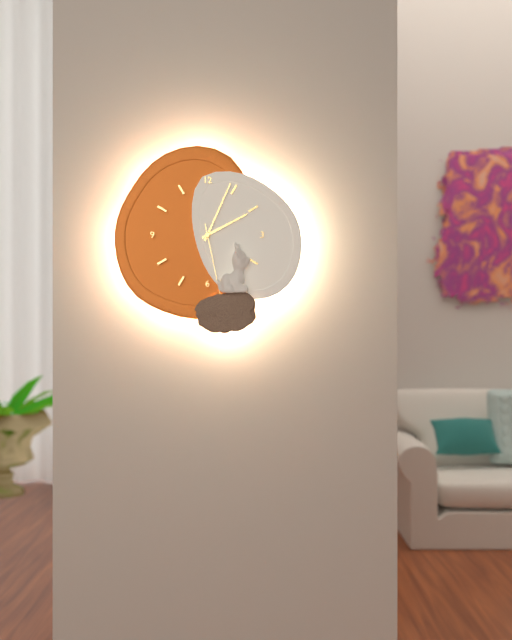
2:04:28
